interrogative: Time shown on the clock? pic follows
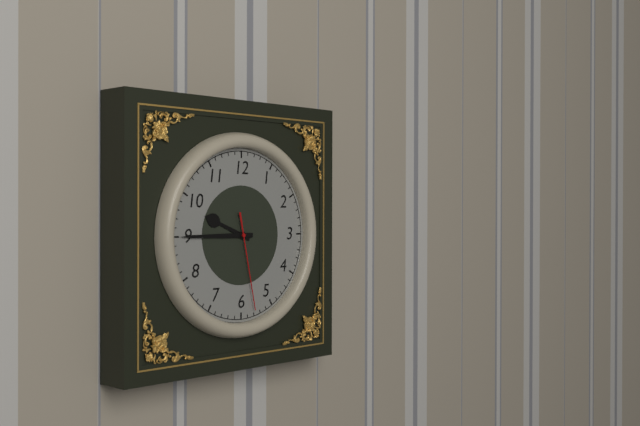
9:45:28
